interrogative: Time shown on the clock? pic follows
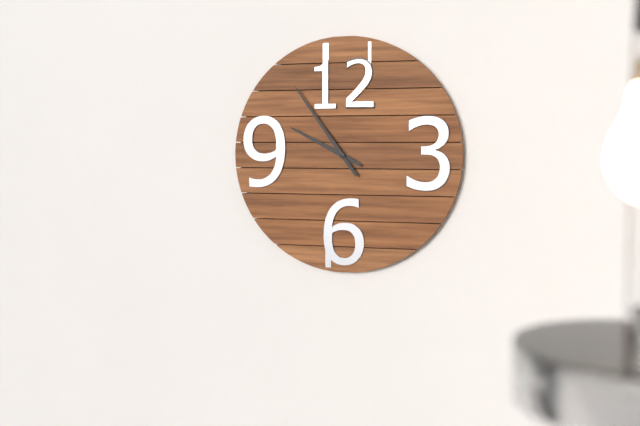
9:54
